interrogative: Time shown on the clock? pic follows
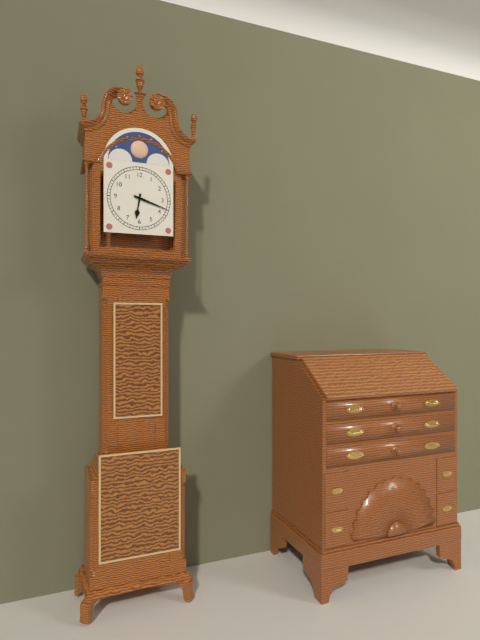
6:18
